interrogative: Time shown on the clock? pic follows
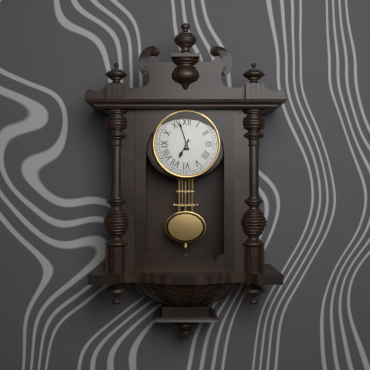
6:57
